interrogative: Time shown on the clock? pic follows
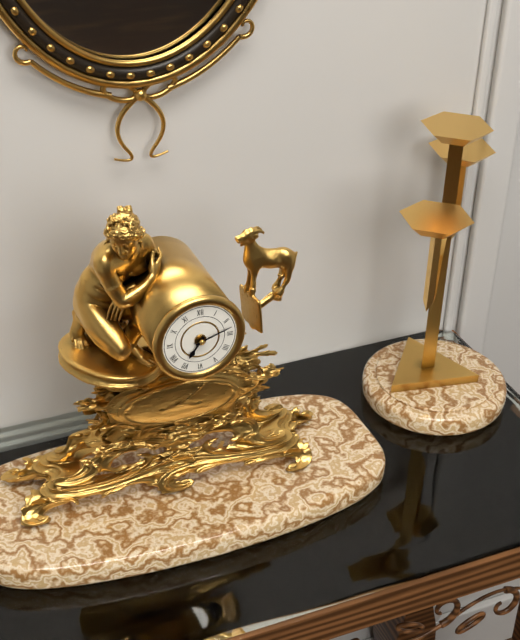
7:12
